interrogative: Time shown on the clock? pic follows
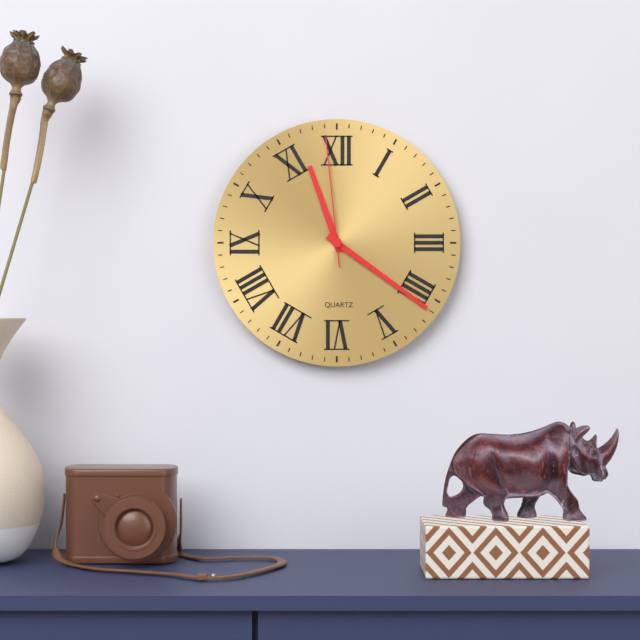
11:21:59
